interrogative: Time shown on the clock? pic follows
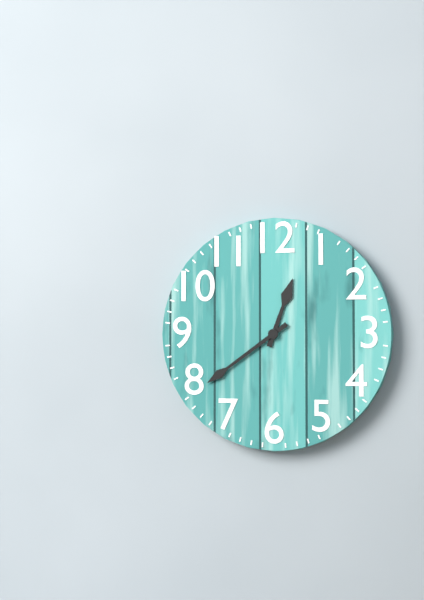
12:39
